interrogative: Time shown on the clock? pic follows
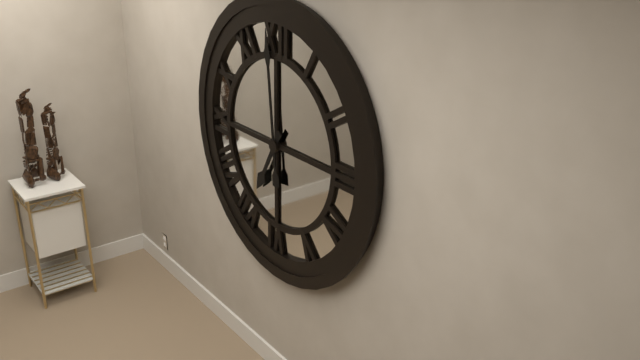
6:59
